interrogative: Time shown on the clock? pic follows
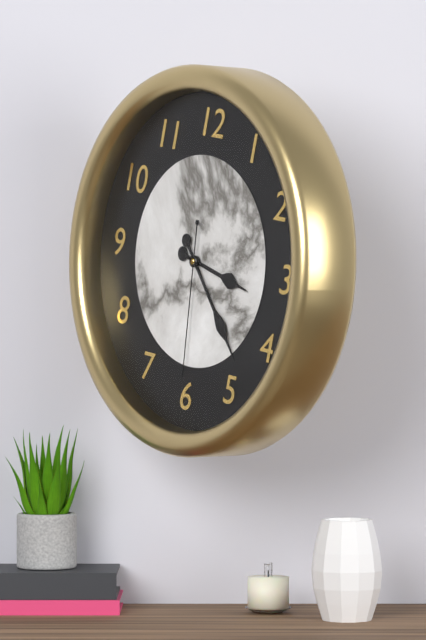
3:23:30
